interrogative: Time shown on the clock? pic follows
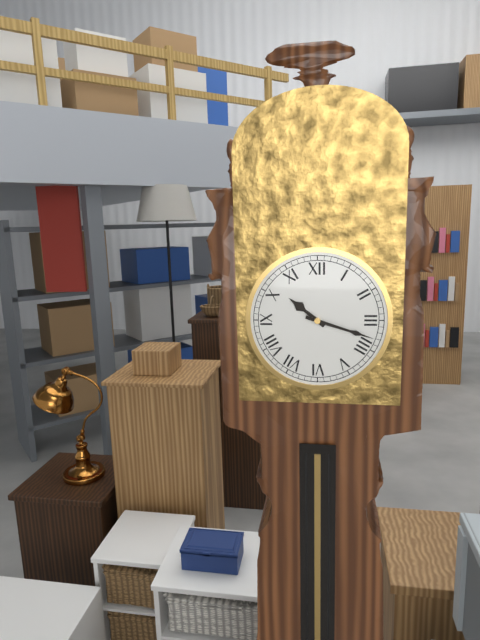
10:18
